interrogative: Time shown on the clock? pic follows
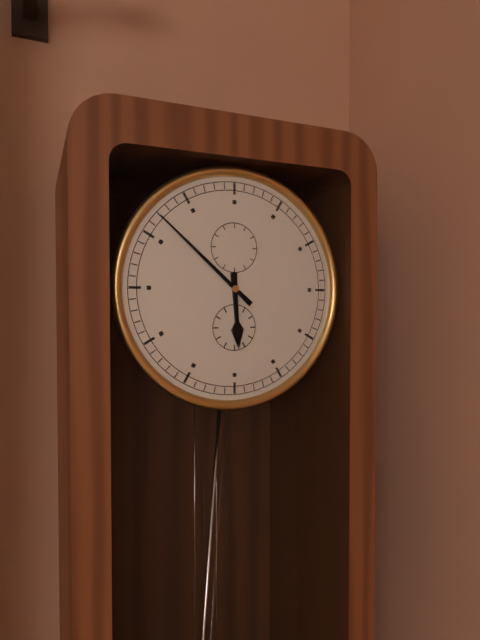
5:52
